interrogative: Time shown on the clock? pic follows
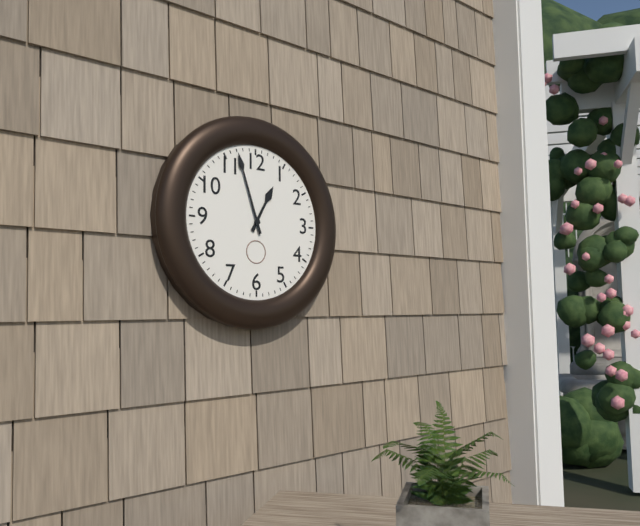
12:57
